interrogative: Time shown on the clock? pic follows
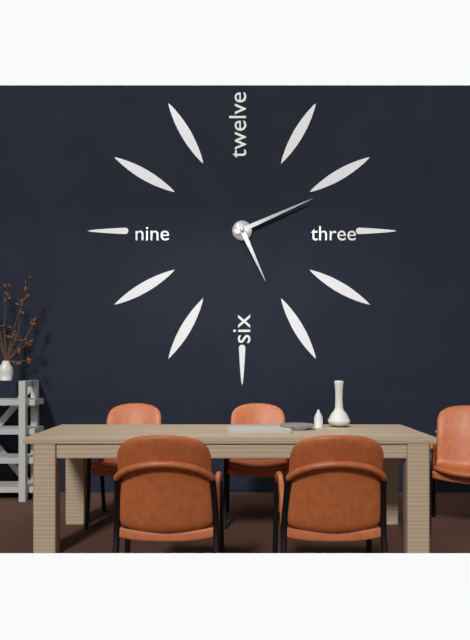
5:11
